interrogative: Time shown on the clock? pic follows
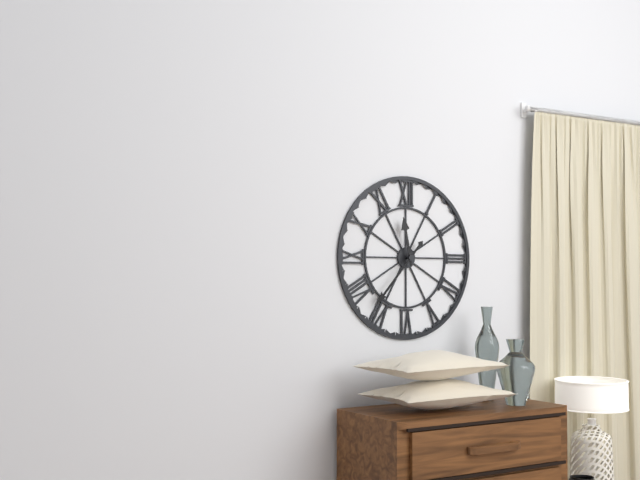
11:37
